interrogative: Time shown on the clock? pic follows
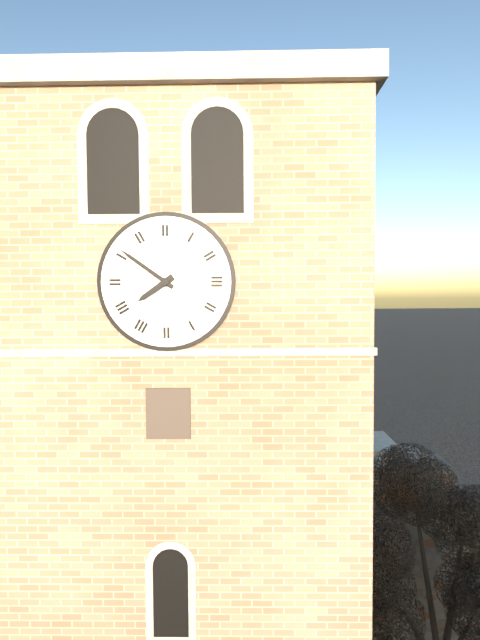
7:51
